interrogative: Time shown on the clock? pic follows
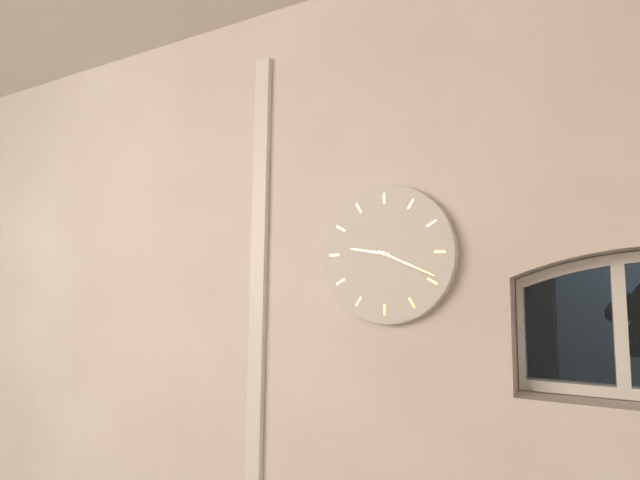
9:19
